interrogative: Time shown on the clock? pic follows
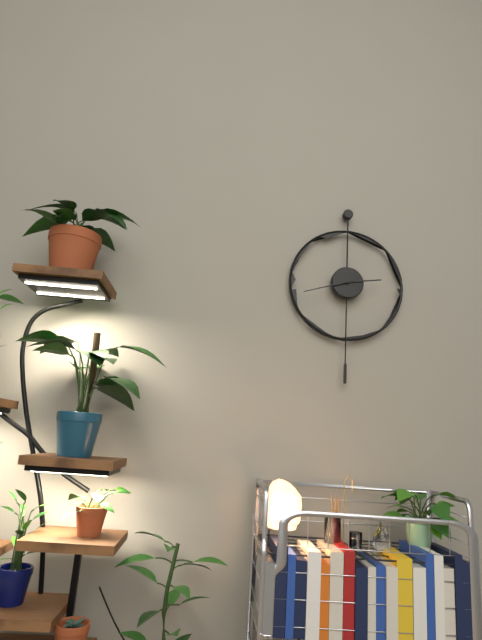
2:42
